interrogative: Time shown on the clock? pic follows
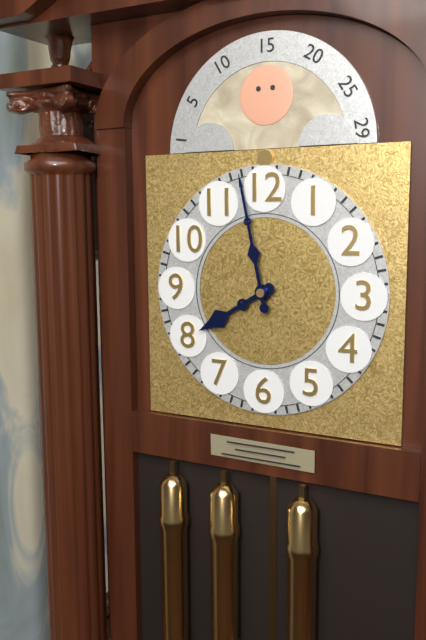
7:58
